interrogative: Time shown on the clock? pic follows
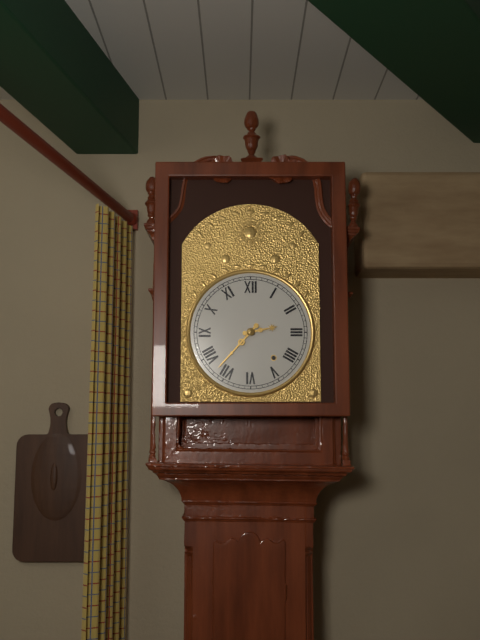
2:37
